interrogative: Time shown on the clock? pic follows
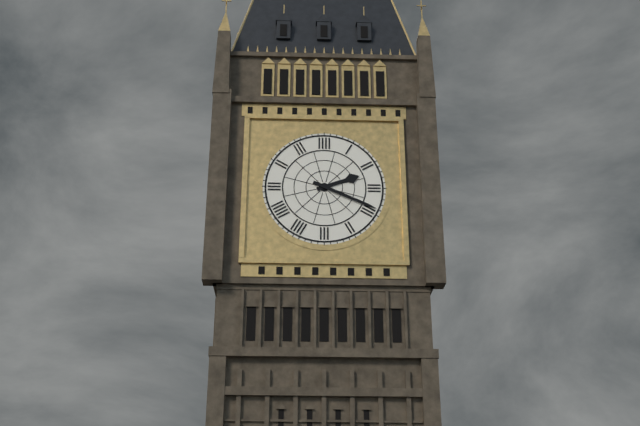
2:19
